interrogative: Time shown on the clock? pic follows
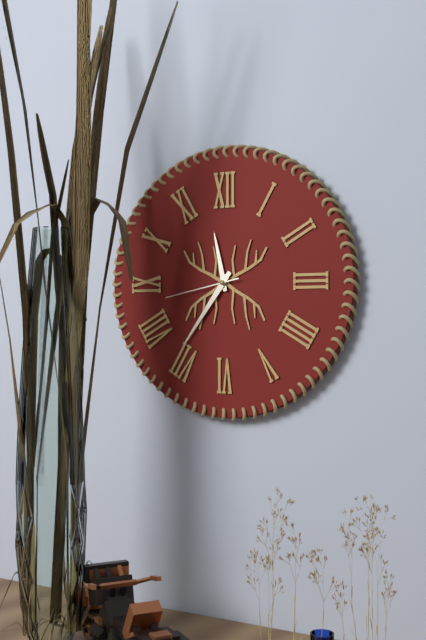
11:36:43
